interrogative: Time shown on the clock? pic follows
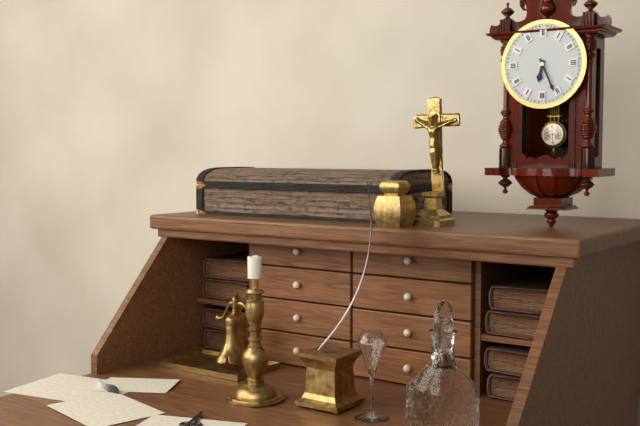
6:26
